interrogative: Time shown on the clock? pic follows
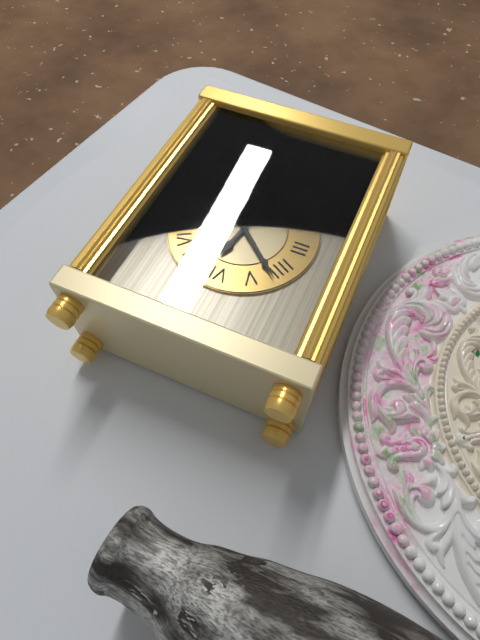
6:22
